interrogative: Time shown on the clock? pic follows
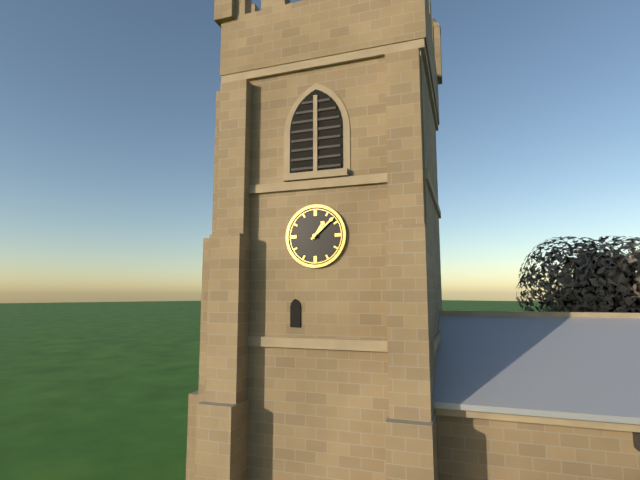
1:08
